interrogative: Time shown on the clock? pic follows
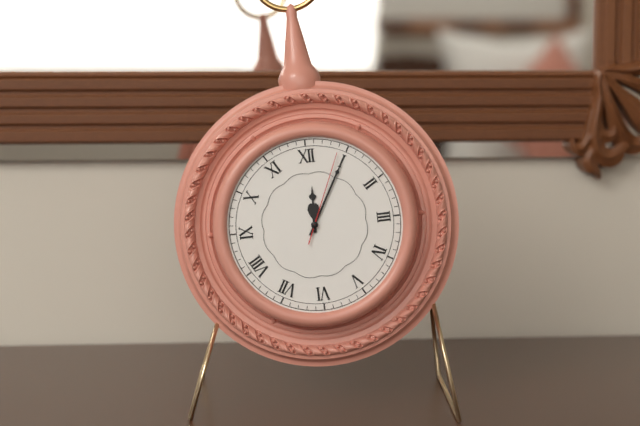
12:05:04
